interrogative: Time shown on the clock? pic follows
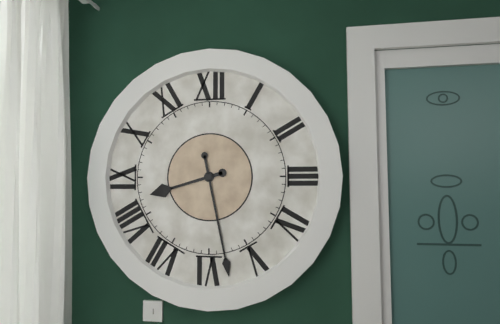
8:28
